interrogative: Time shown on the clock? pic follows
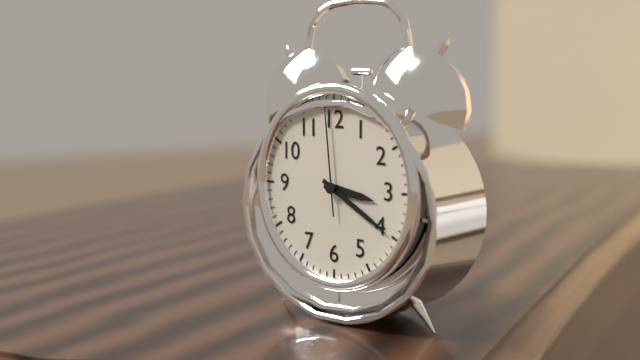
3:20:59
